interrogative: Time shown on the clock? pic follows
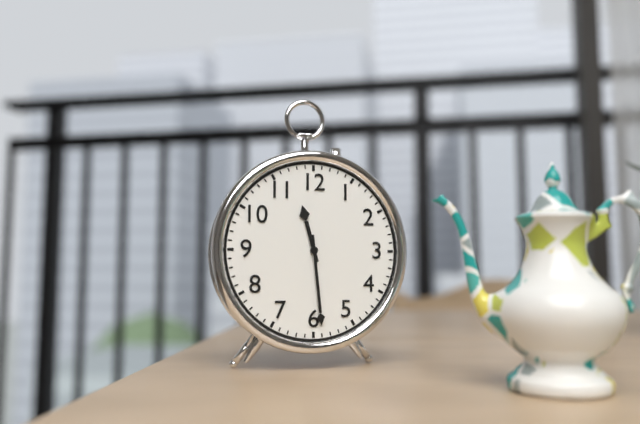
11:29
